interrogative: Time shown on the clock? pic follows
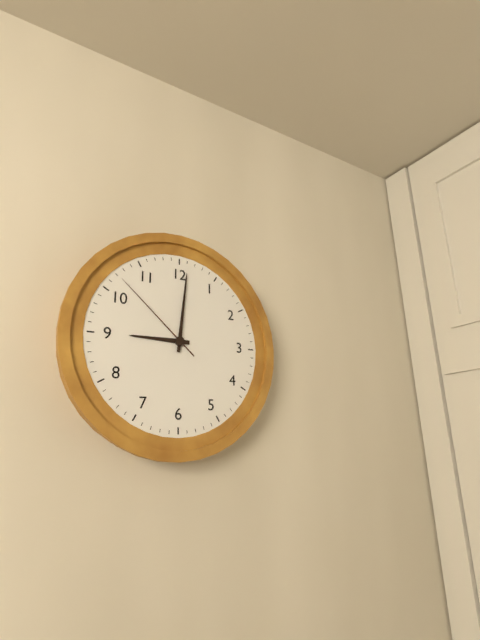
9:01:52
